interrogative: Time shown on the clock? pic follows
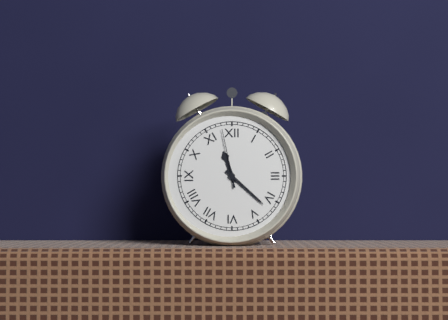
11:22:58
